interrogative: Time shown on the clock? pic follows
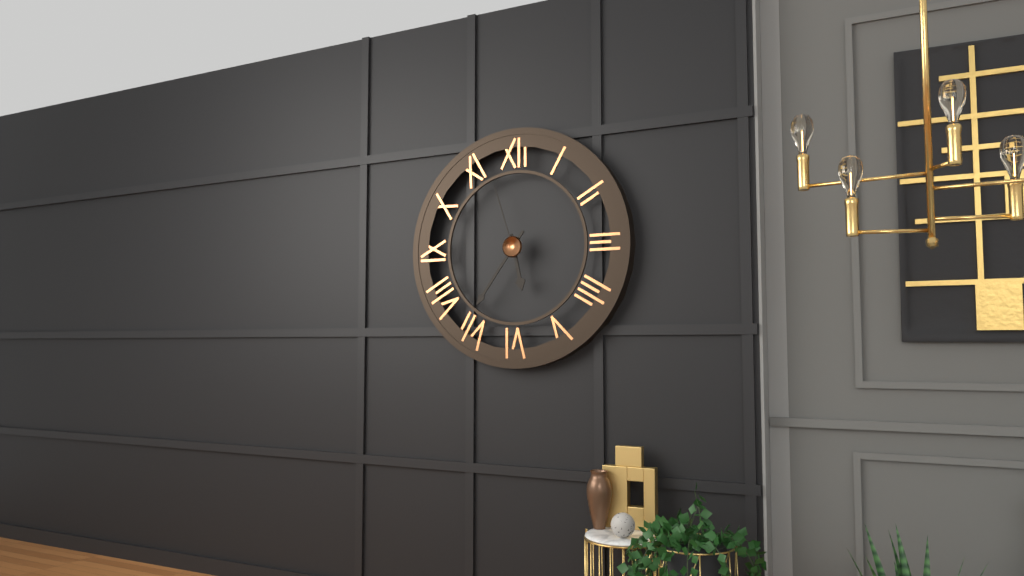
5:36:57
